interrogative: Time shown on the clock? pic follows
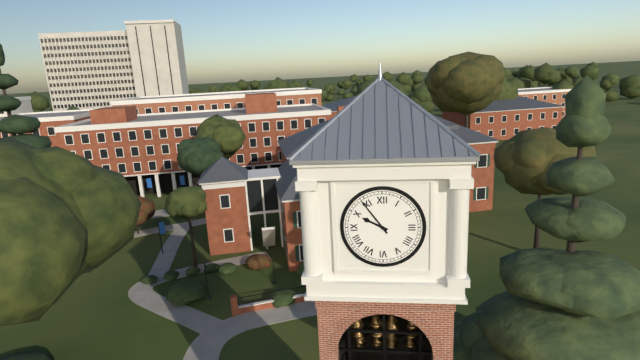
9:54
